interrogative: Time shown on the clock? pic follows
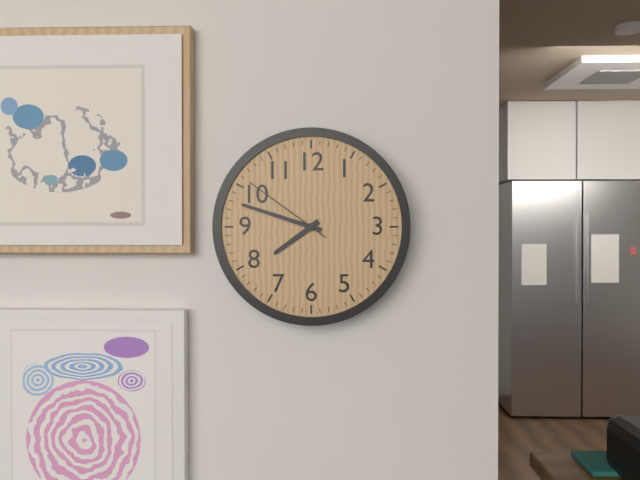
7:48:51
